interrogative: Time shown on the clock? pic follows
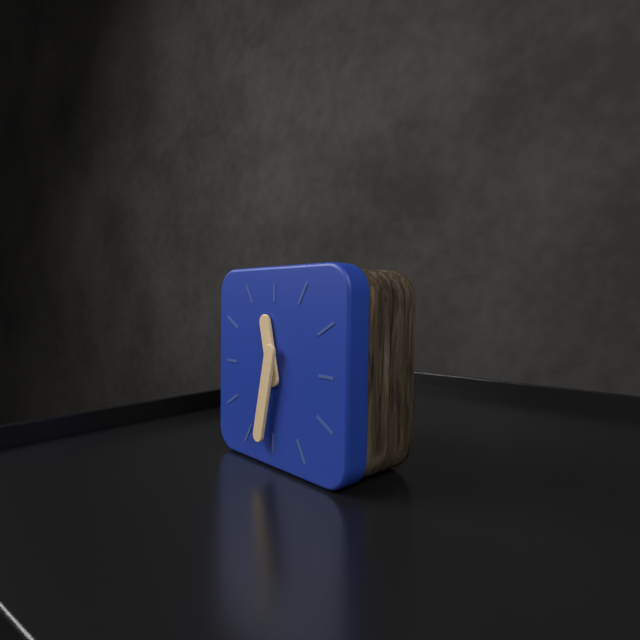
11:32
